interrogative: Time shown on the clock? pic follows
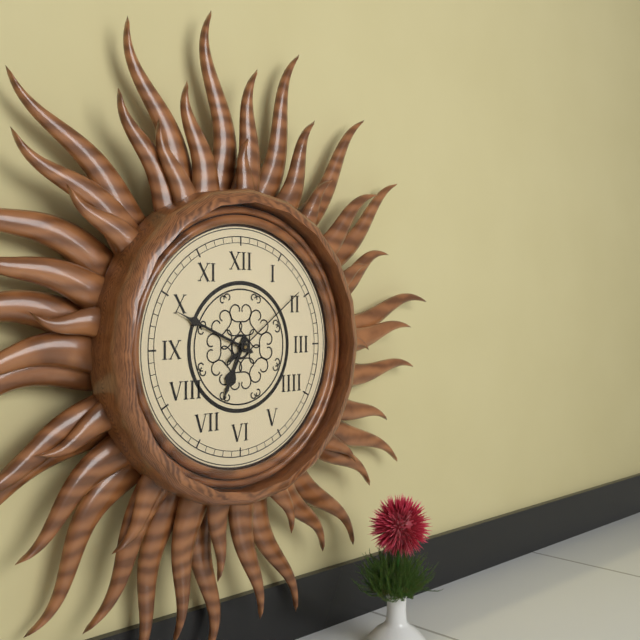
6:49:09
